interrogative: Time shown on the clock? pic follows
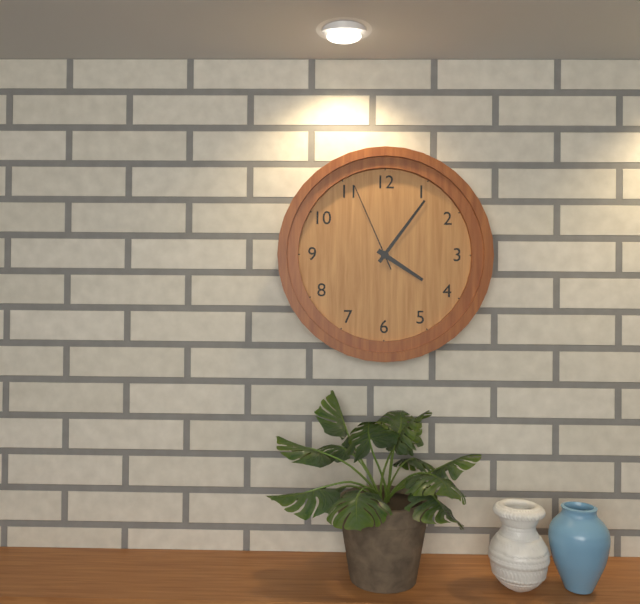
4:06:56
